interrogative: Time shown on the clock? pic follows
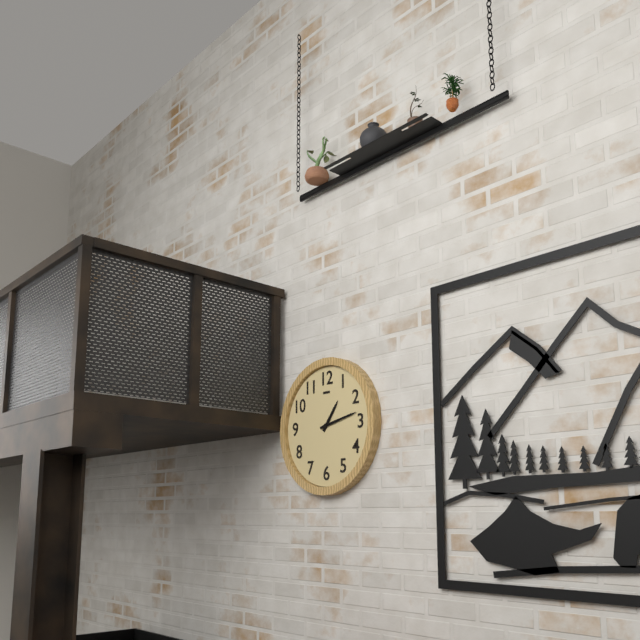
1:13
